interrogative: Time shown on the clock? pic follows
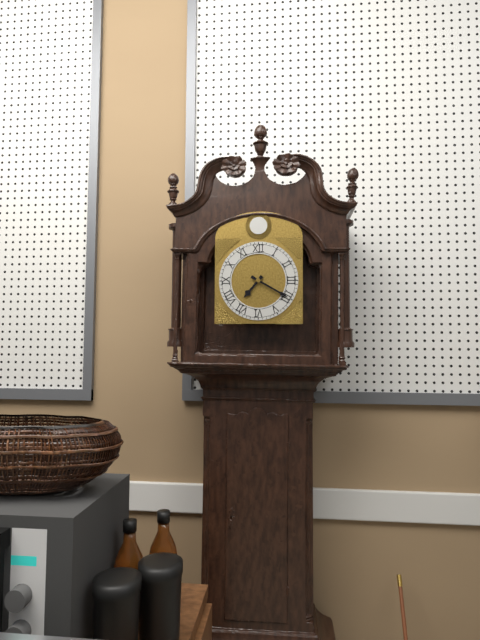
7:20
